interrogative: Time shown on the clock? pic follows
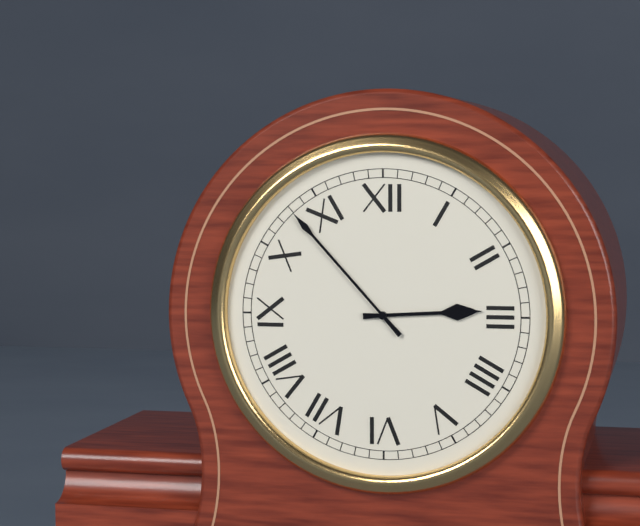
2:53
